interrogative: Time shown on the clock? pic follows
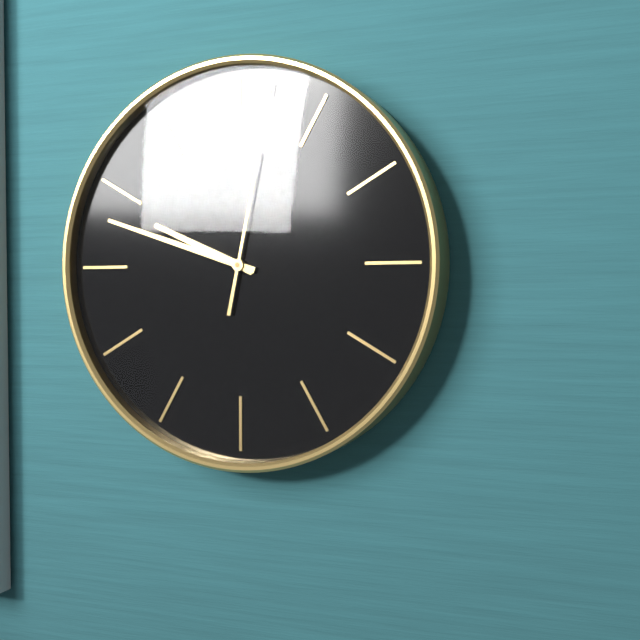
9:48:02
